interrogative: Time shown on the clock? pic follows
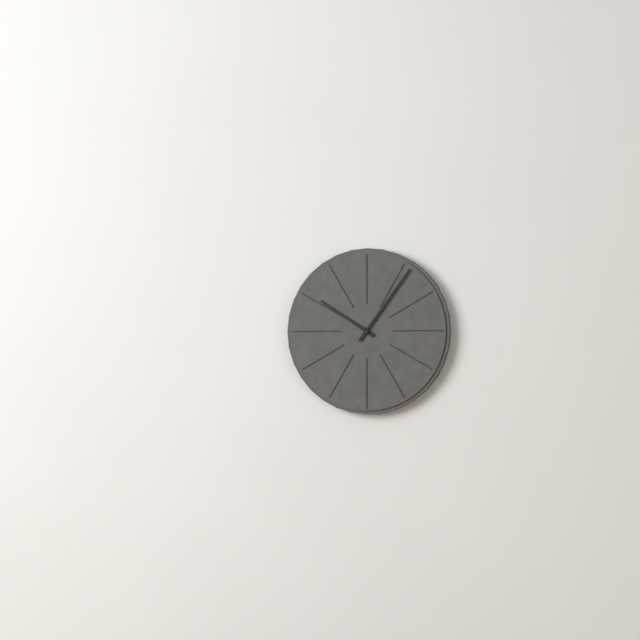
10:06
